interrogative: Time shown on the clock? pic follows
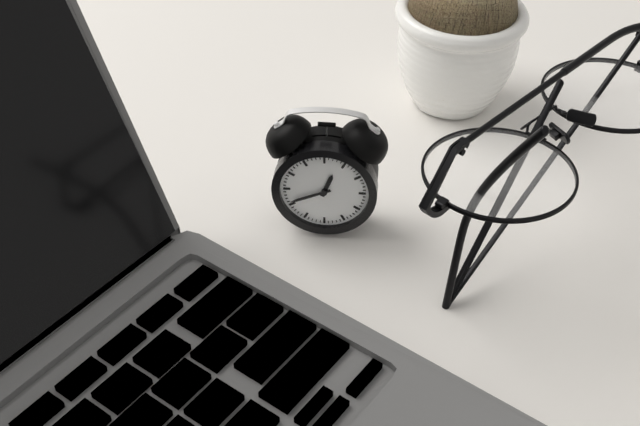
12:41
